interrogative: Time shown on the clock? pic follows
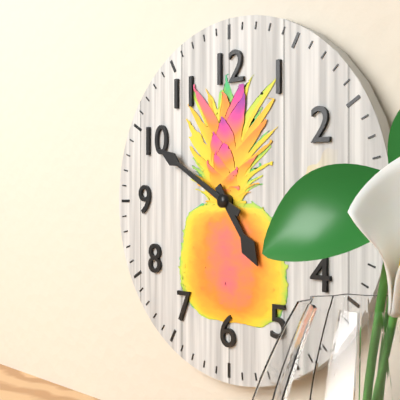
4:50
